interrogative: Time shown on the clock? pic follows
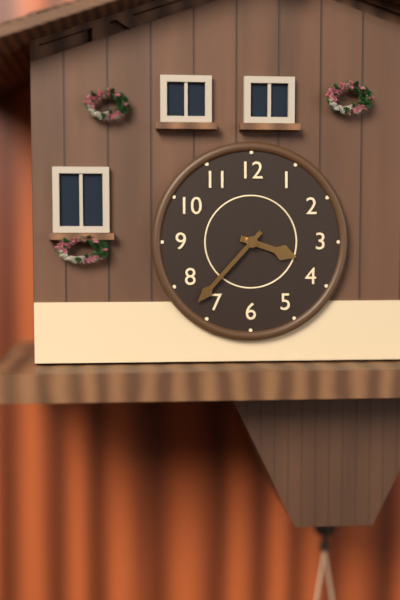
3:37
